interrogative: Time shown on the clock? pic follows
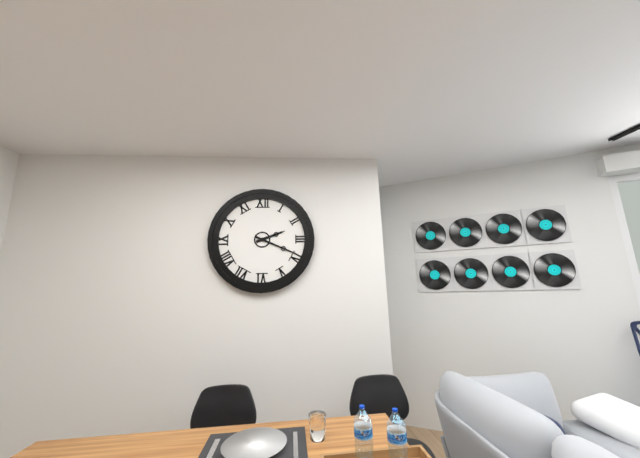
2:19
